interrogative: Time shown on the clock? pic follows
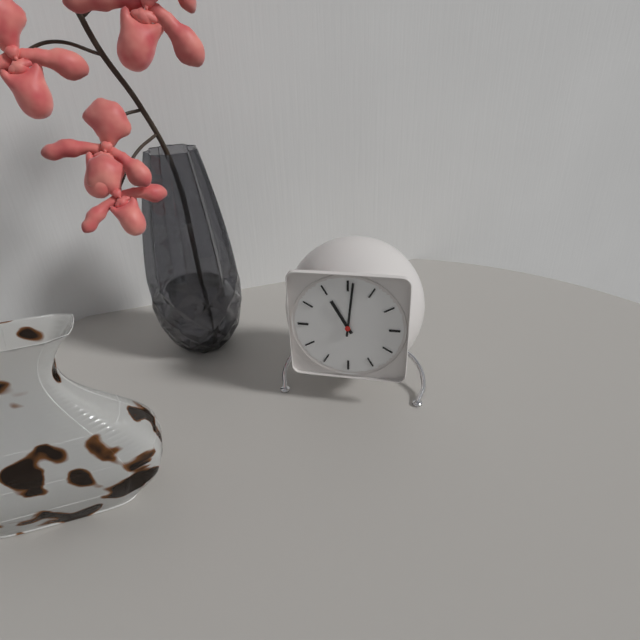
11:01
